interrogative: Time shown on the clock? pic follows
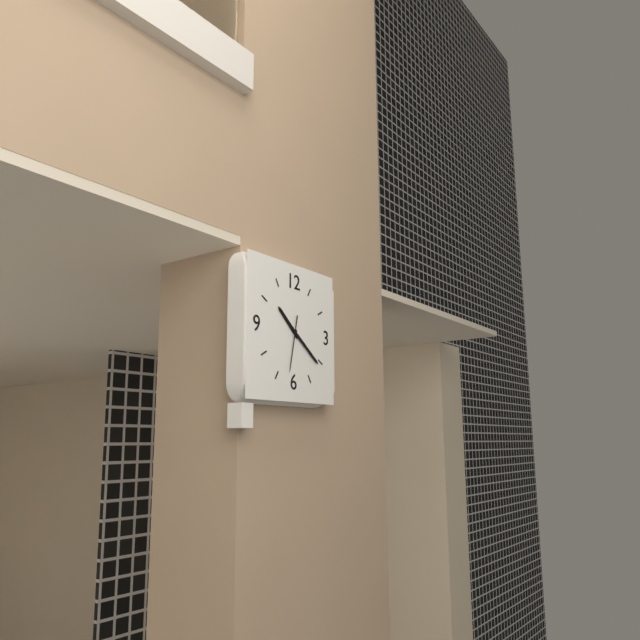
10:21:32
